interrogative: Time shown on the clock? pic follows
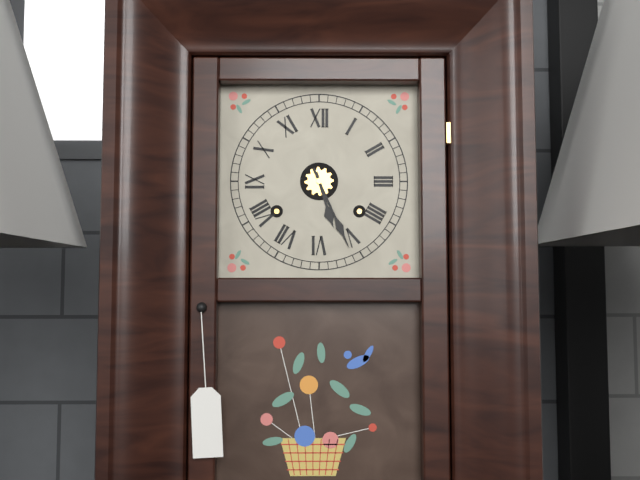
5:26
